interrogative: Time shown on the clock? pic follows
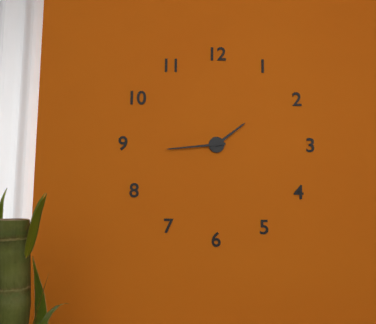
1:44
